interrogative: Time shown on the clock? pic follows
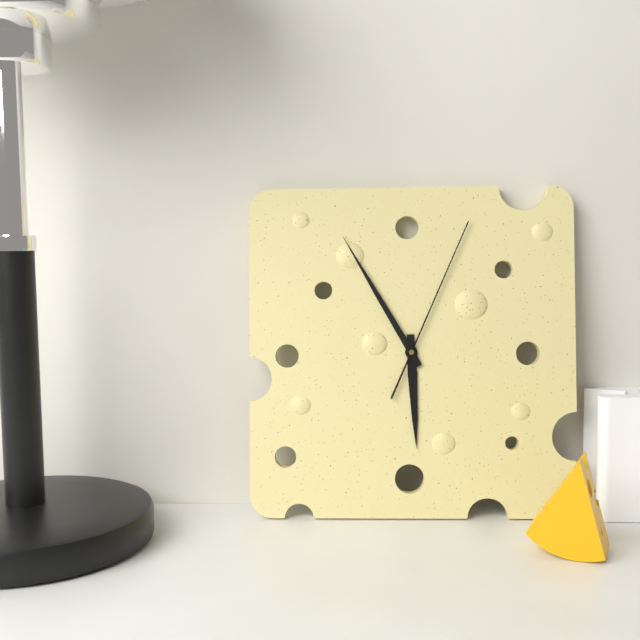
5:55:04
